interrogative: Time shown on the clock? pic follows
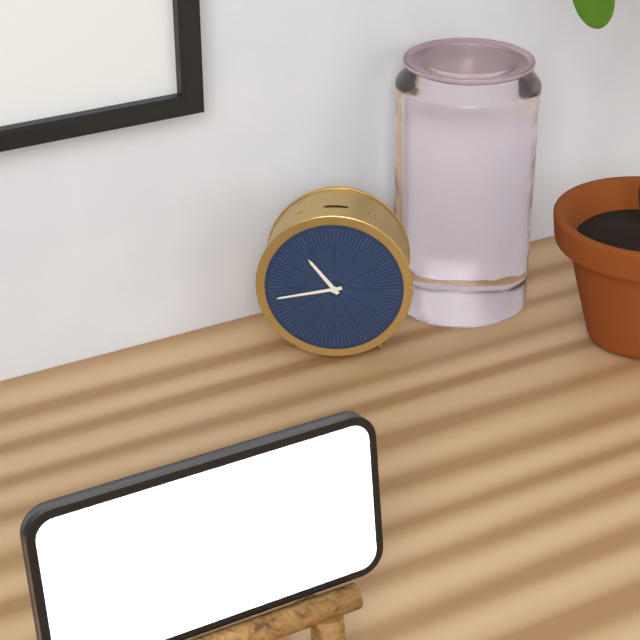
10:43
